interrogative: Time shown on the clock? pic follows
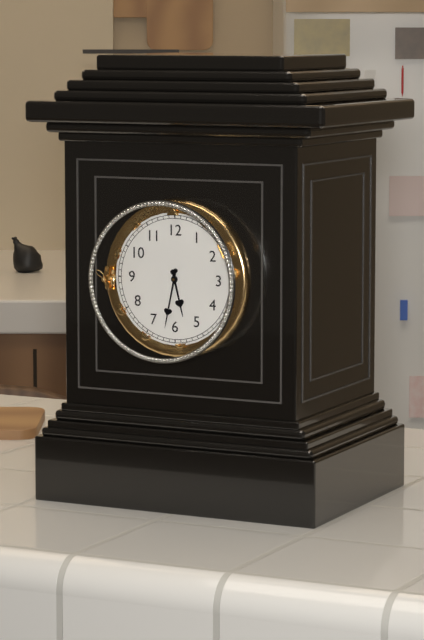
5:32
